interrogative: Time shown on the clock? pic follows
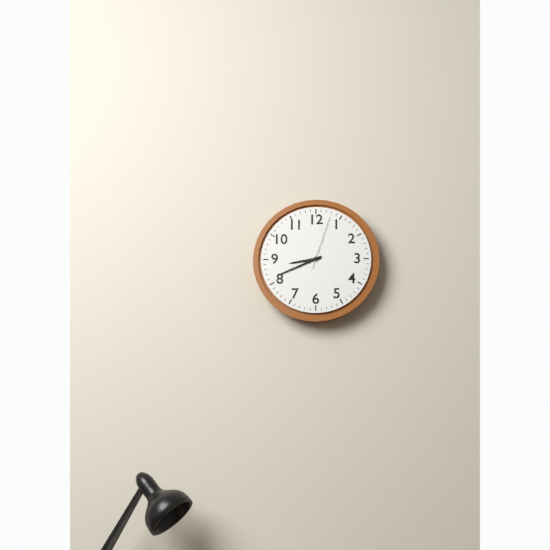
8:41:03
